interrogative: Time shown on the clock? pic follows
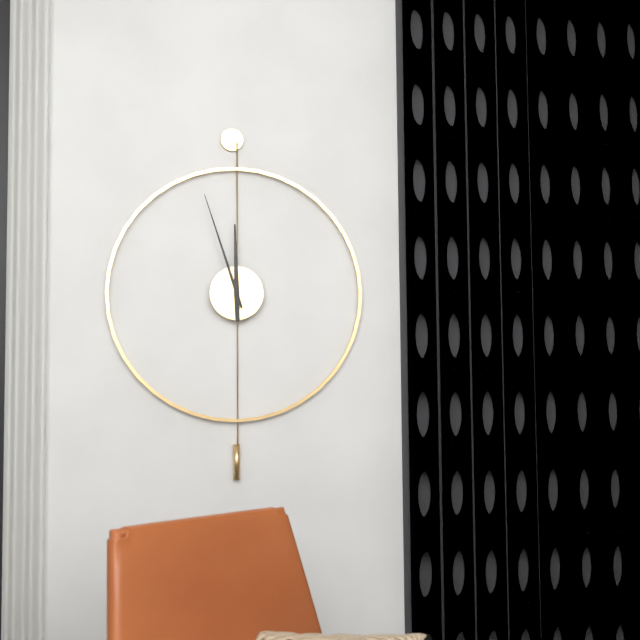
11:57
